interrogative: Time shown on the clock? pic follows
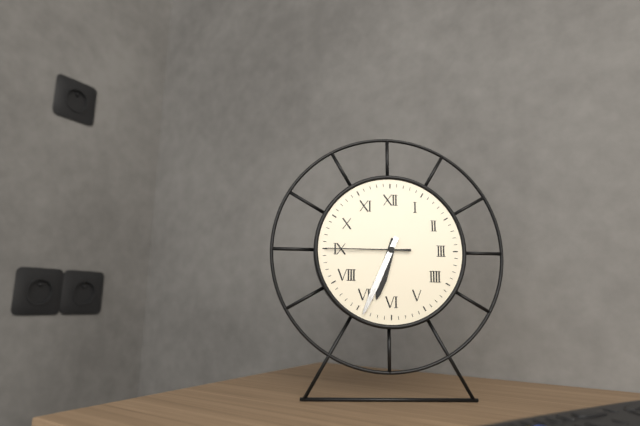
6:34:45
